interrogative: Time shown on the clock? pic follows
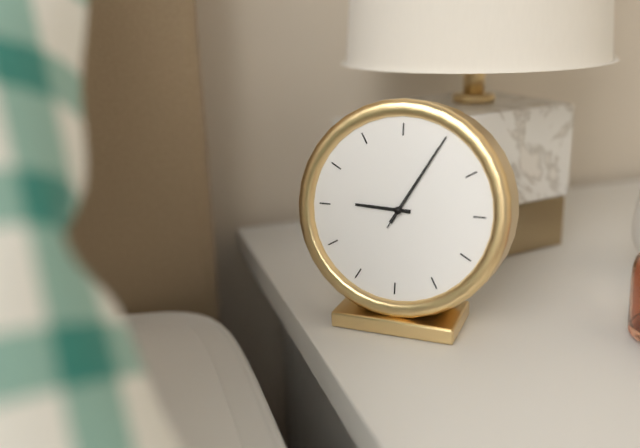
9:05:05
